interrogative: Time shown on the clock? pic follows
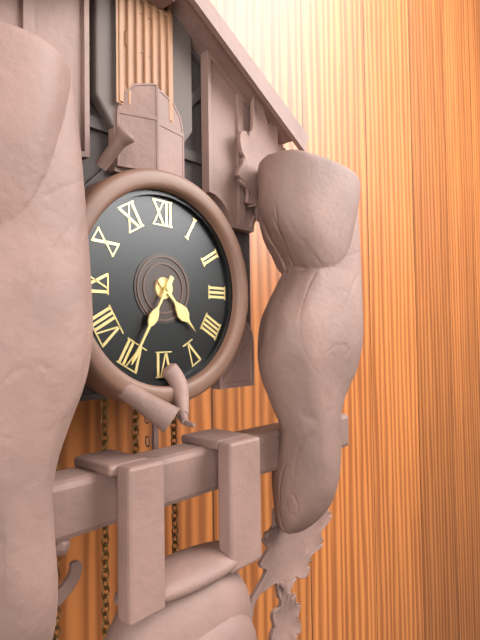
4:35
